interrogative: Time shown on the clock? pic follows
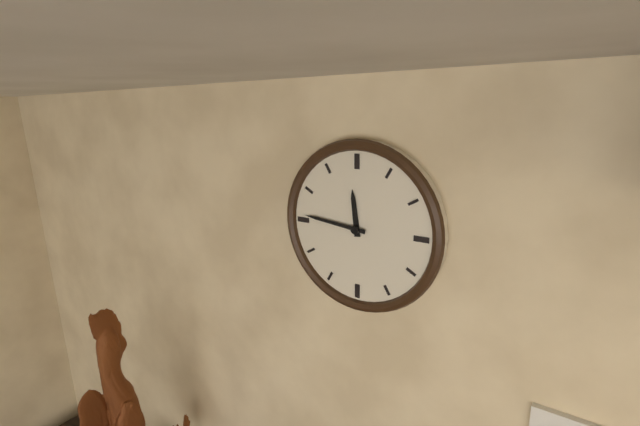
11:46
